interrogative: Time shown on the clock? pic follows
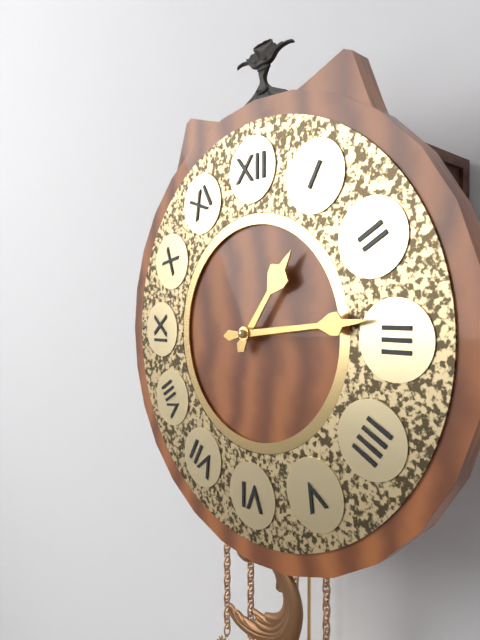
1:14
